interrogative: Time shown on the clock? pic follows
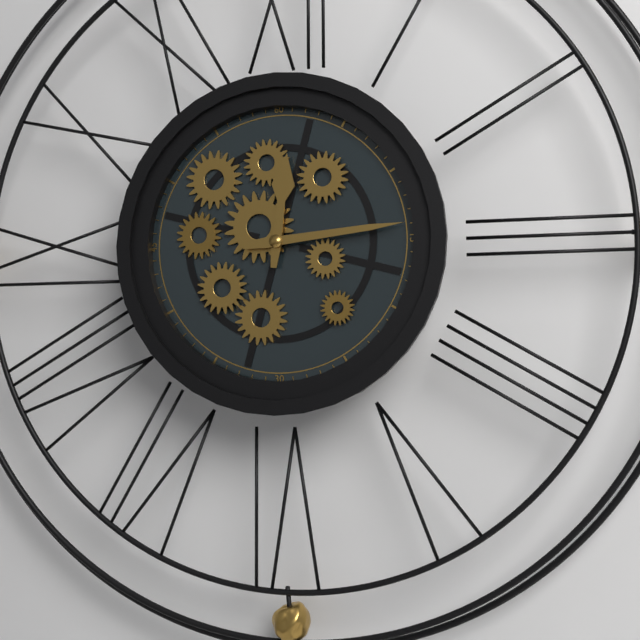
12:14
